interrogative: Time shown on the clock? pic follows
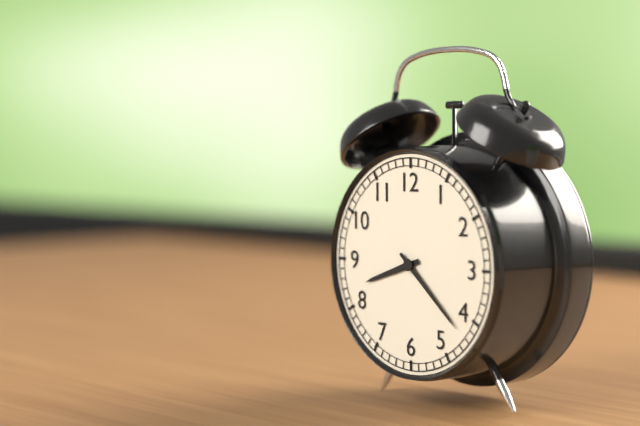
8:22
